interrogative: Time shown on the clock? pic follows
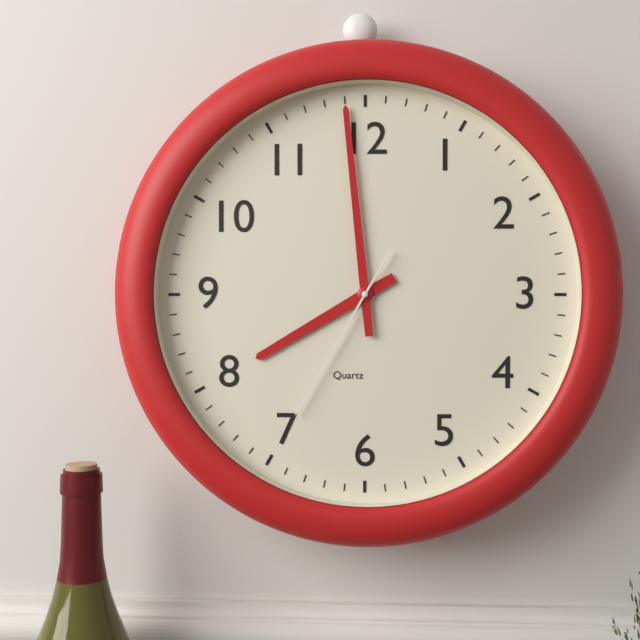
7:59:35
